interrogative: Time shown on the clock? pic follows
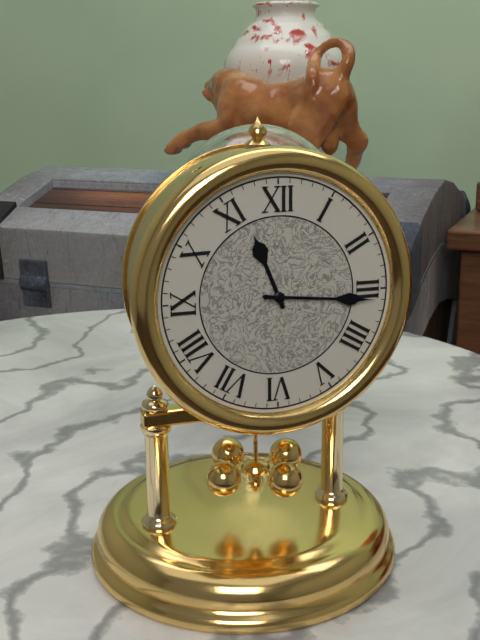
11:16
